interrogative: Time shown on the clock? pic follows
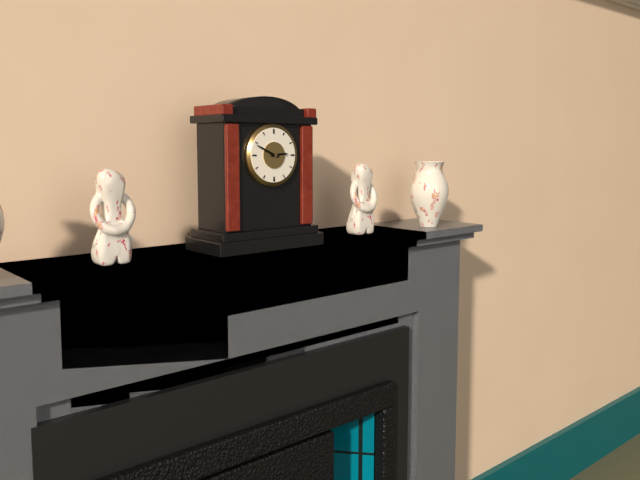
2:49
